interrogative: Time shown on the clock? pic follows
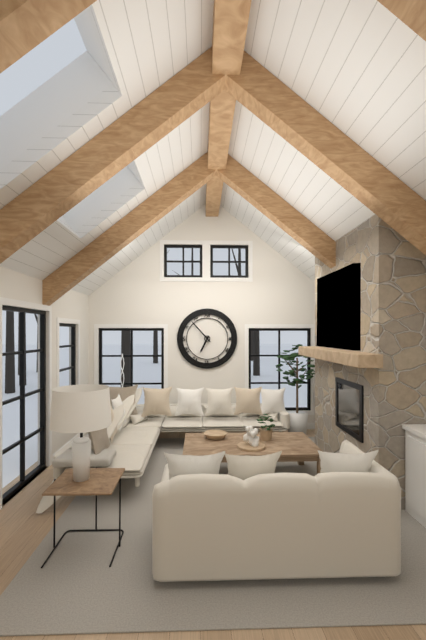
6:53
